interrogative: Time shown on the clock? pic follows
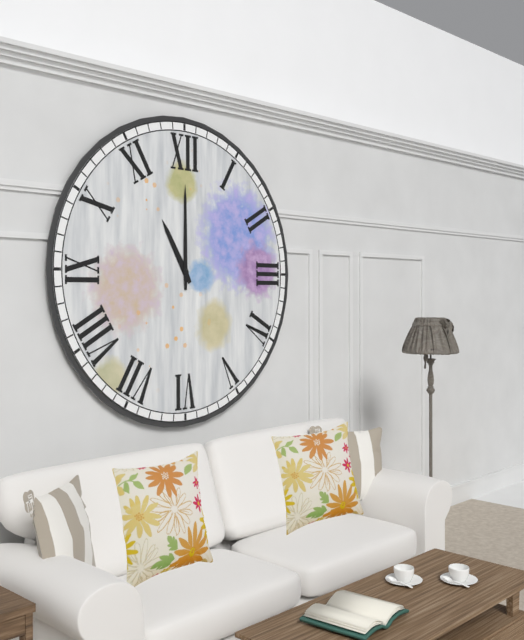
11:00
